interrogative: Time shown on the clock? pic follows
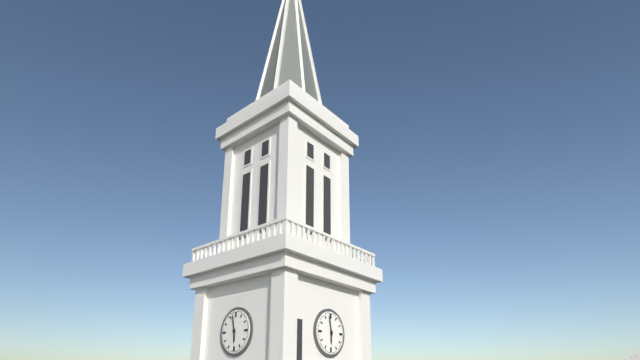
5:58
